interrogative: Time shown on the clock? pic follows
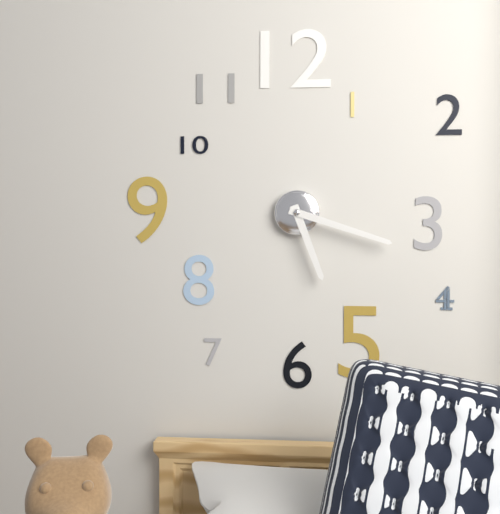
5:18
